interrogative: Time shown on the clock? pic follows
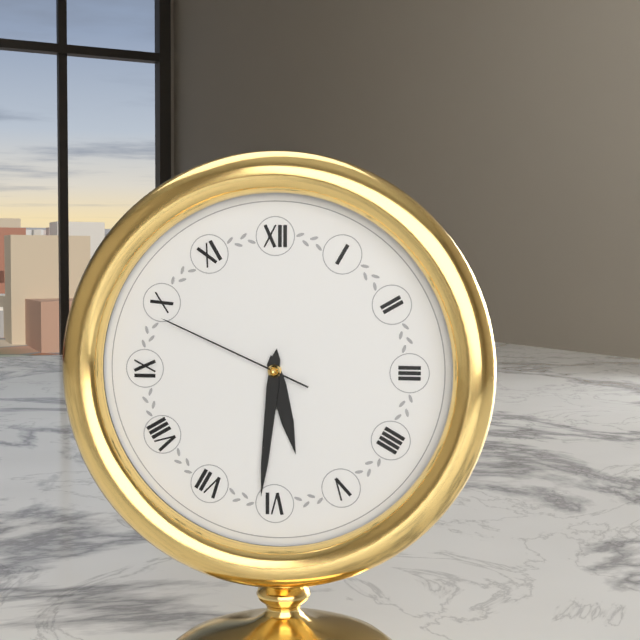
5:31:49
